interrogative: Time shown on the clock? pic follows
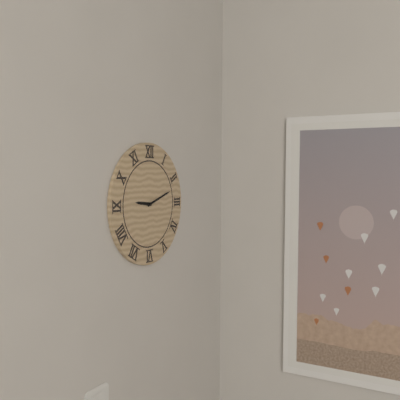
9:12
